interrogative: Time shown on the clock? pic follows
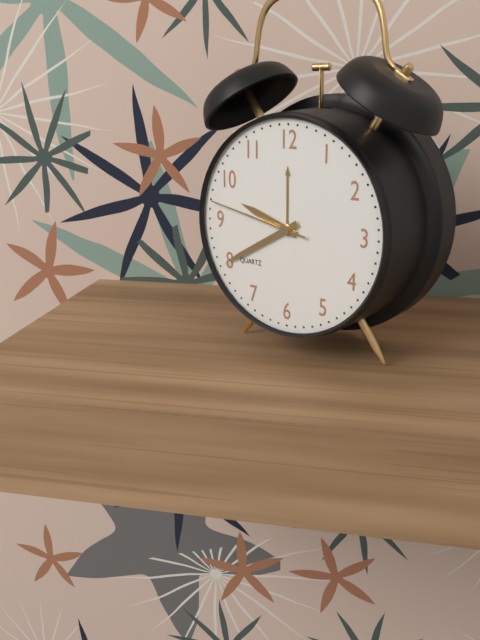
9:40:47
